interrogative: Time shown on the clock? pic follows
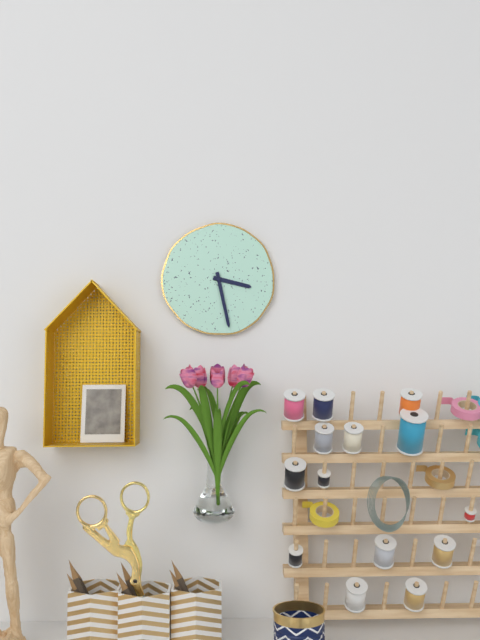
3:28
